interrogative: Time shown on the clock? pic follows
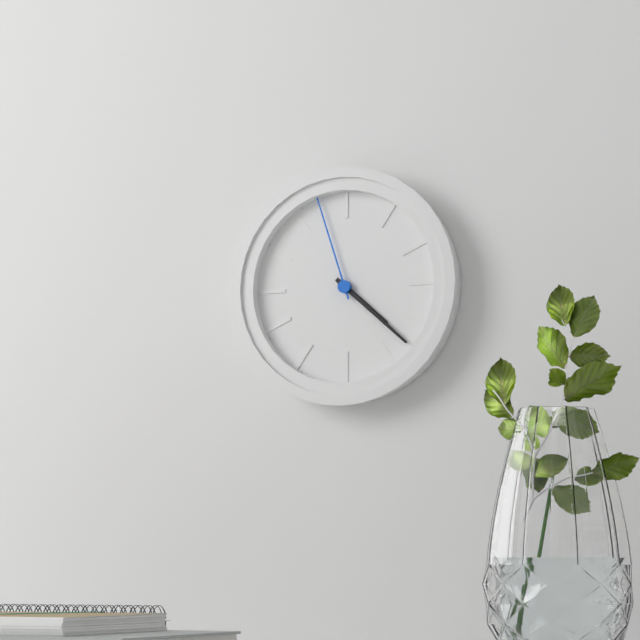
4:22:57
